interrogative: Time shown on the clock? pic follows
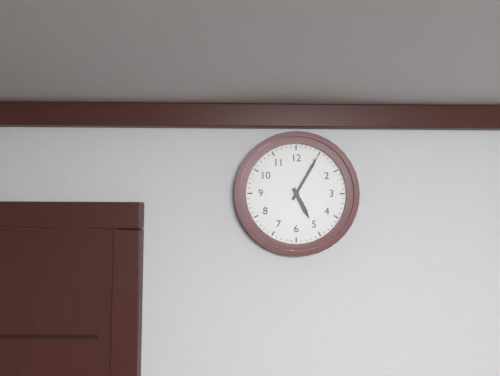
5:05
